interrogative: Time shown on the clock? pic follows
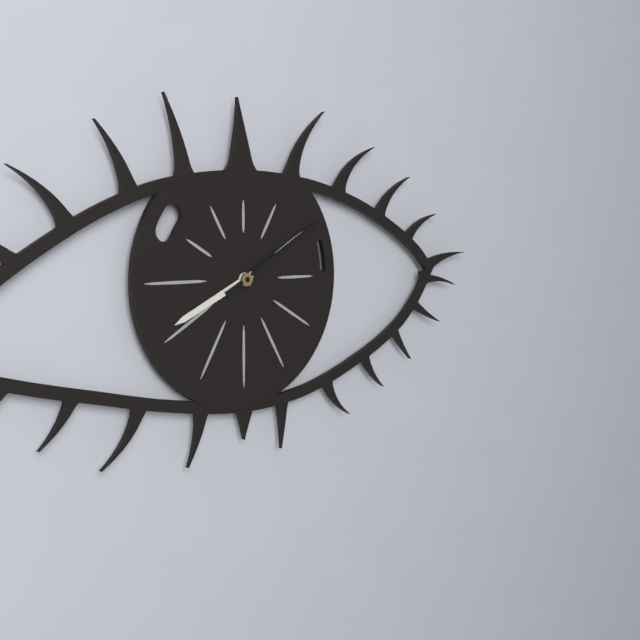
8:10
